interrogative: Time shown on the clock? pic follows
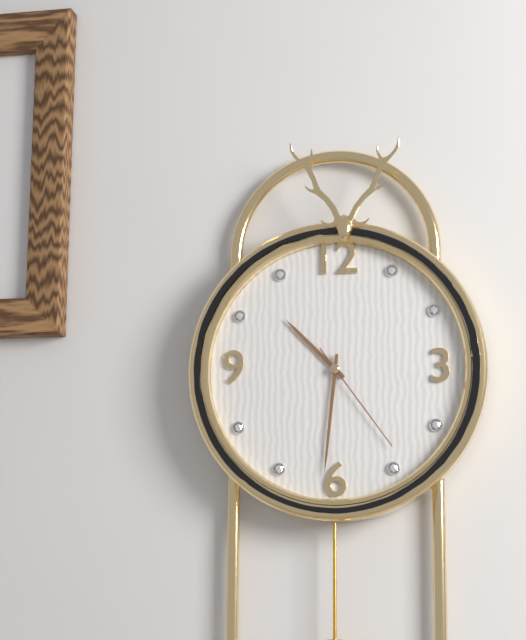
10:31:24
